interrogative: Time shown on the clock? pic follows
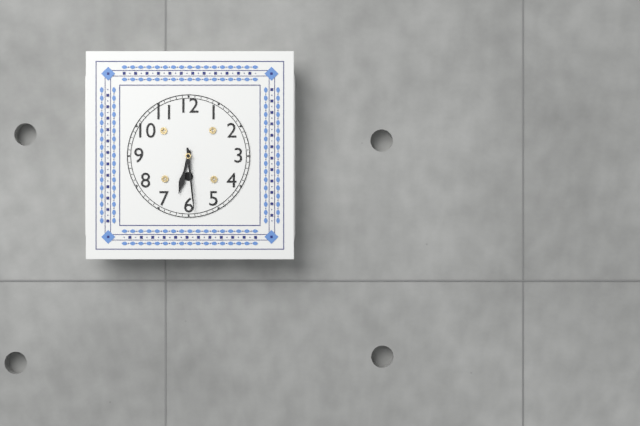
6:29
